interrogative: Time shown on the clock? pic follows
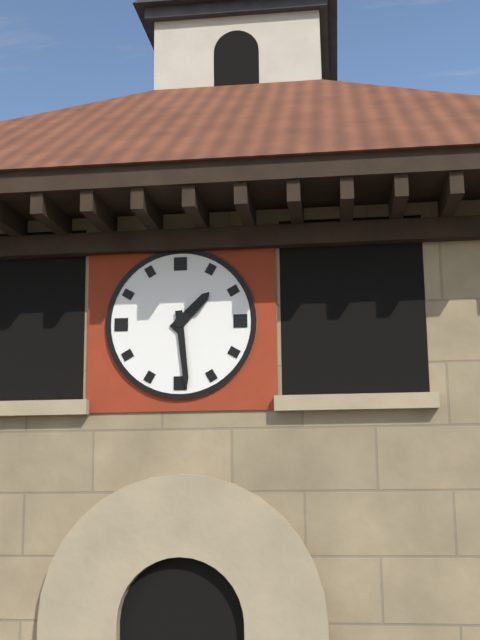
1:29
